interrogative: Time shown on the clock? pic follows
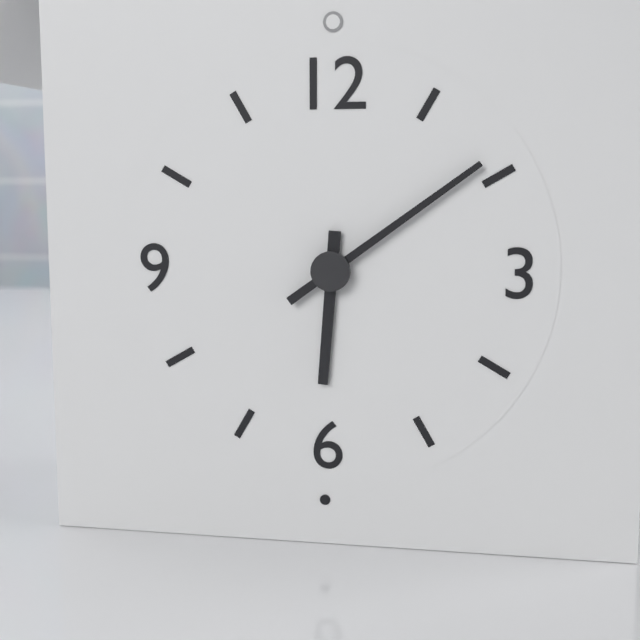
6:09
